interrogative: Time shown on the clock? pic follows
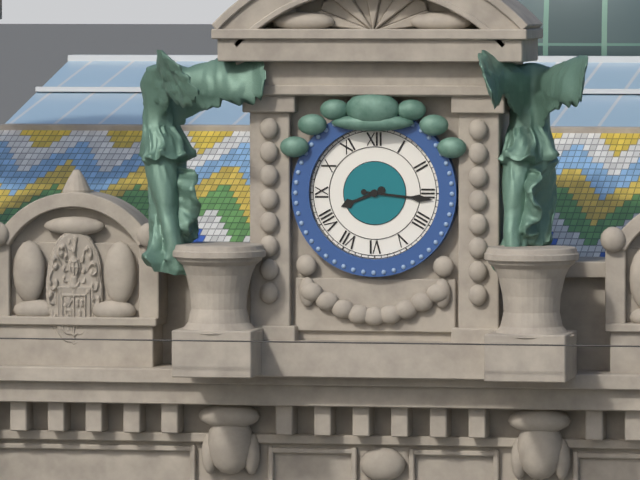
8:16
